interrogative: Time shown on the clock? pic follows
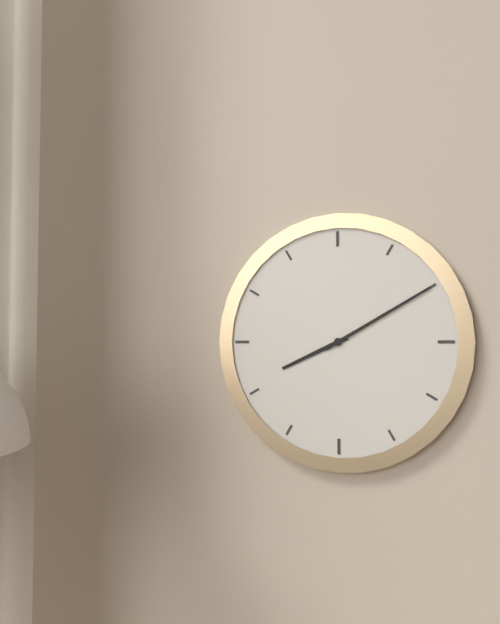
8:10
